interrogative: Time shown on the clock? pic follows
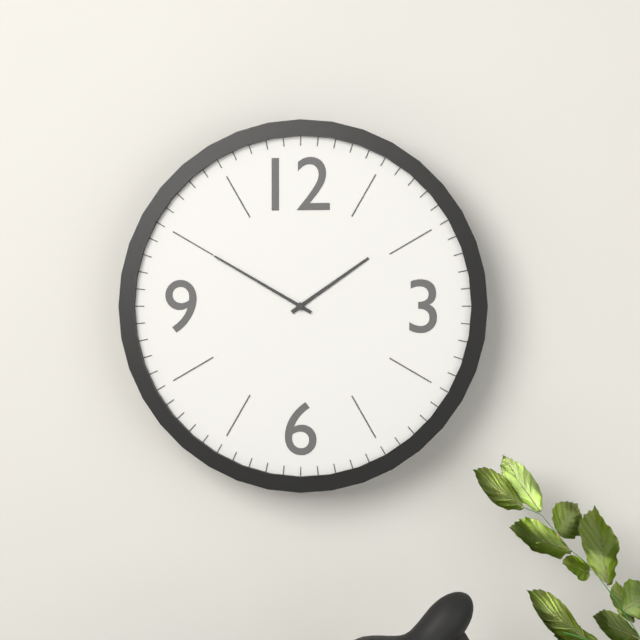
1:50
